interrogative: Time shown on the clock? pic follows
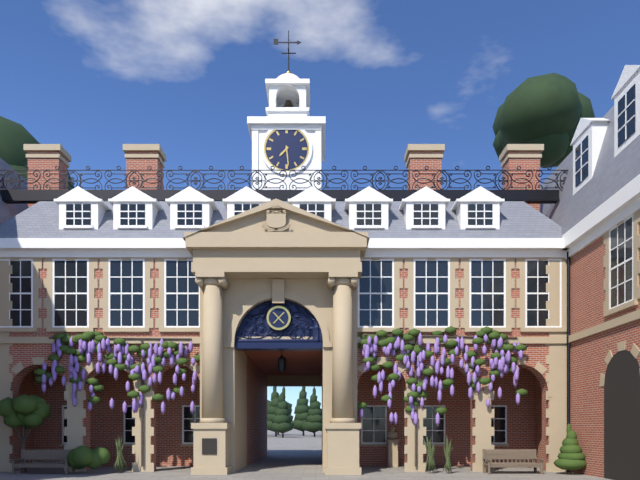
7:29
